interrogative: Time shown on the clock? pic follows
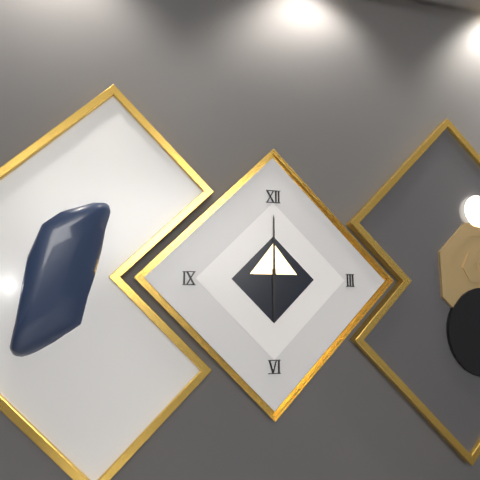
6:00
